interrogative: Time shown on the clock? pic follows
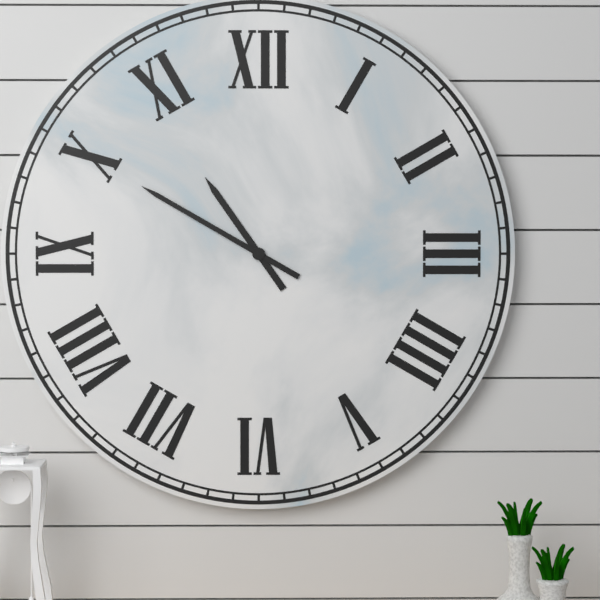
10:50
